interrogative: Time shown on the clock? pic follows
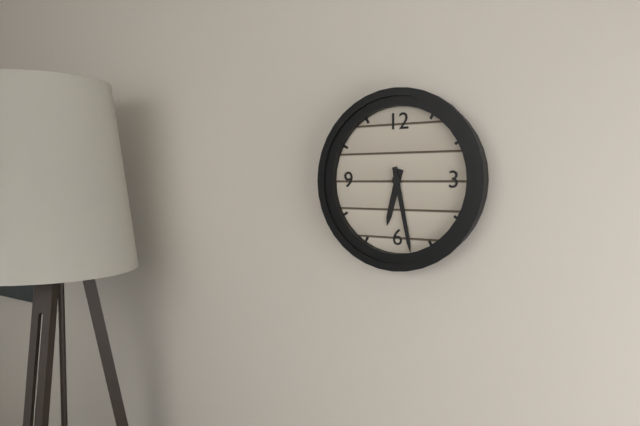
6:28
